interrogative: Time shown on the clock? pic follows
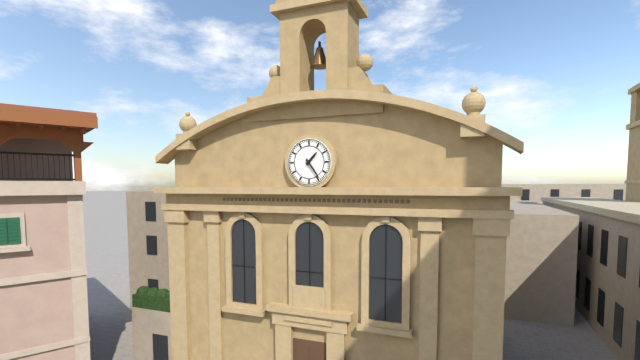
1:24
